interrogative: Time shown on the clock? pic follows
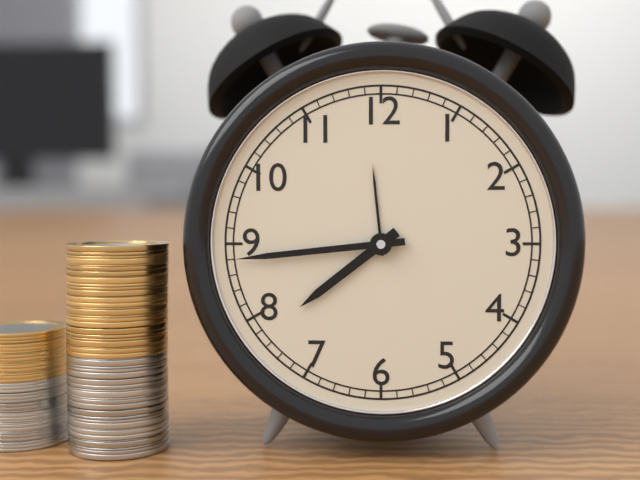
7:44
